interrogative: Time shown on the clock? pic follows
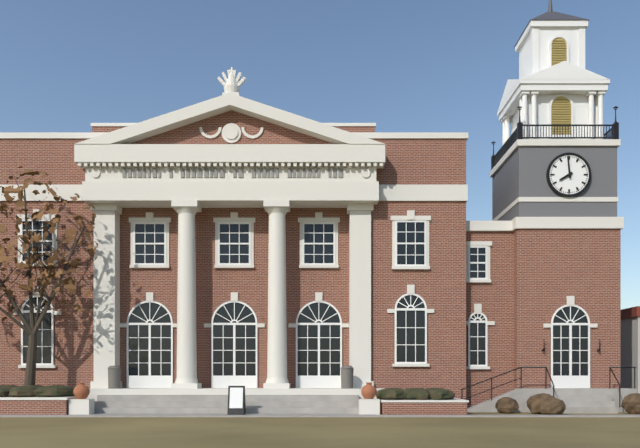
7:59
